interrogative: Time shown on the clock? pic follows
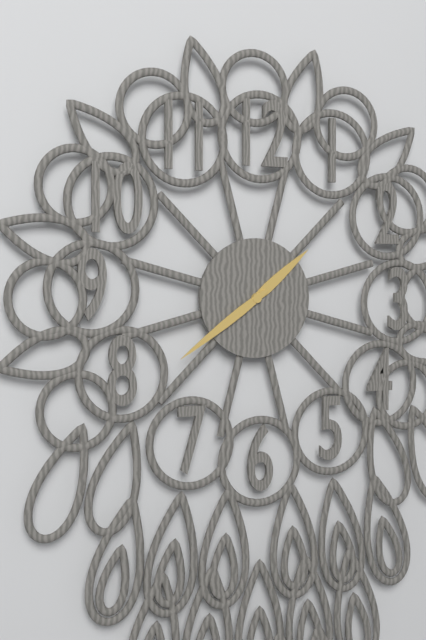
1:39
